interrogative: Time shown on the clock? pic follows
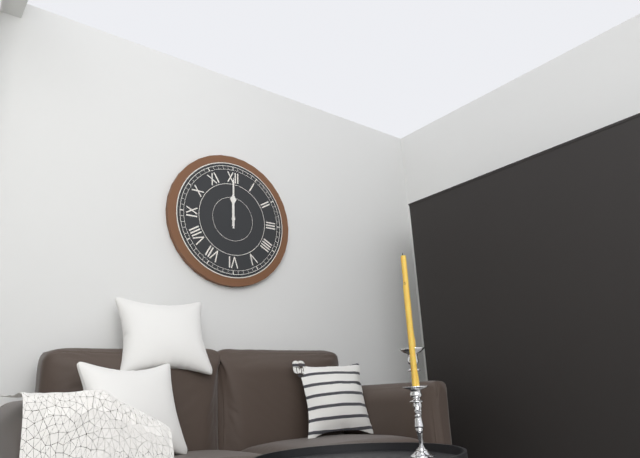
12:00
